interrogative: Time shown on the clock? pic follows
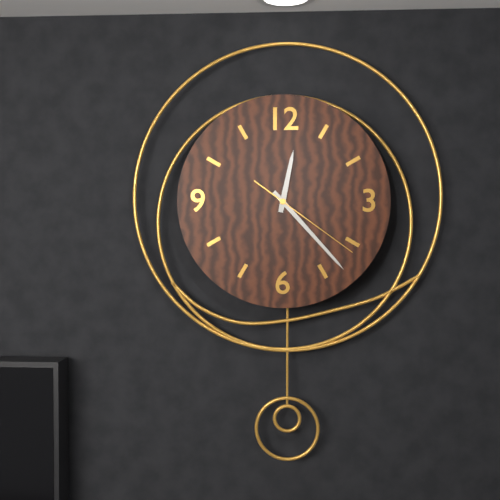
12:23:21
